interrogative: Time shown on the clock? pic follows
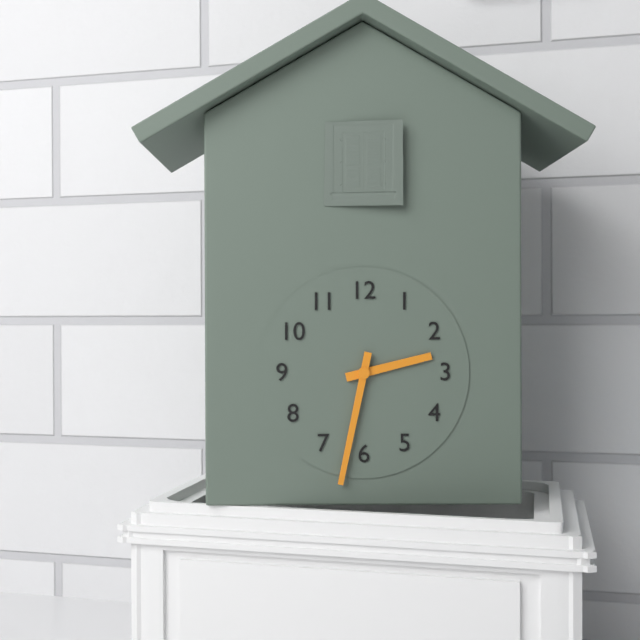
2:32
